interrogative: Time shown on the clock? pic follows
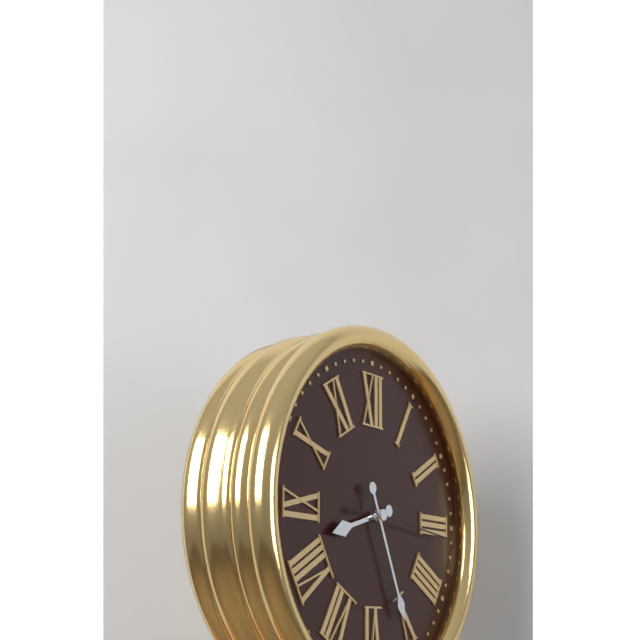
8:26:16
